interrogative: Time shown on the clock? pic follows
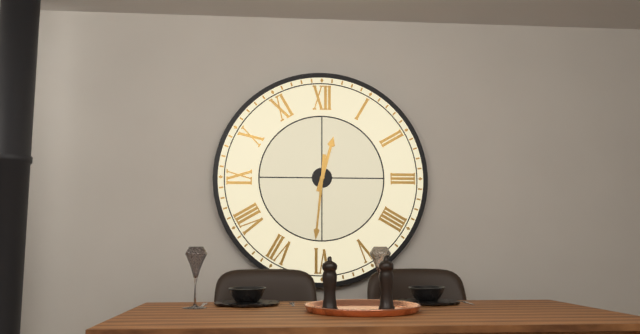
12:31
